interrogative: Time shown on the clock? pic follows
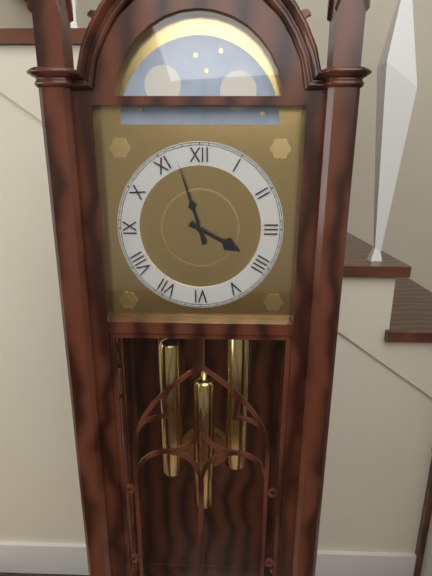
3:57
